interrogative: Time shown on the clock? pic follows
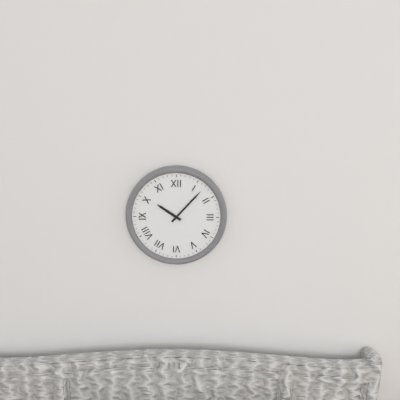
10:07
